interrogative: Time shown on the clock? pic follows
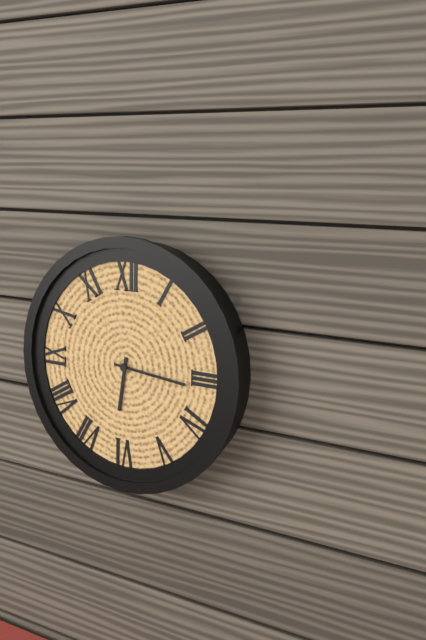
6:16
